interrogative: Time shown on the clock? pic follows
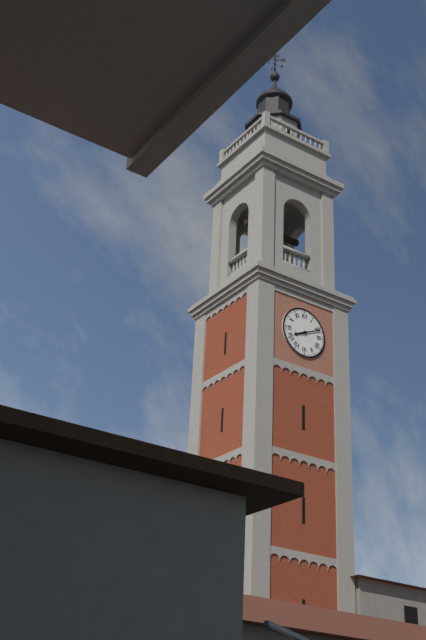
8:11
